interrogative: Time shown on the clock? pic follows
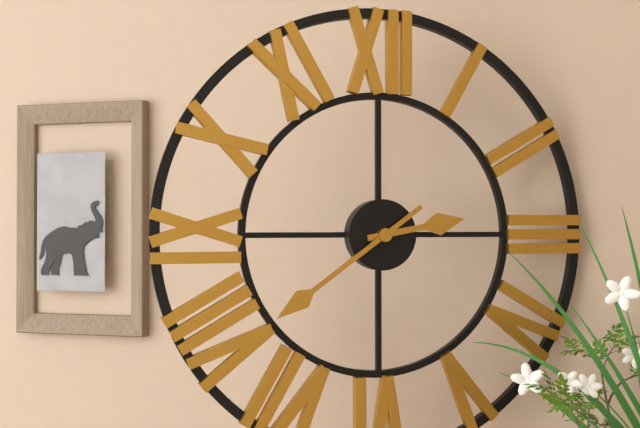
2:39
